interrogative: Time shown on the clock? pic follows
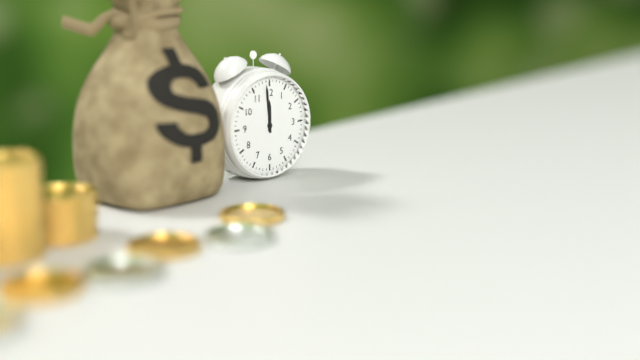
11:59
